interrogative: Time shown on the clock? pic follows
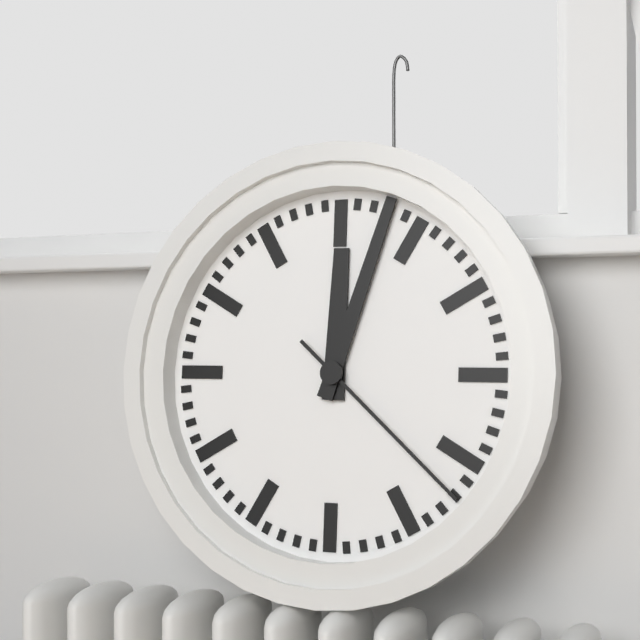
12:03:22
